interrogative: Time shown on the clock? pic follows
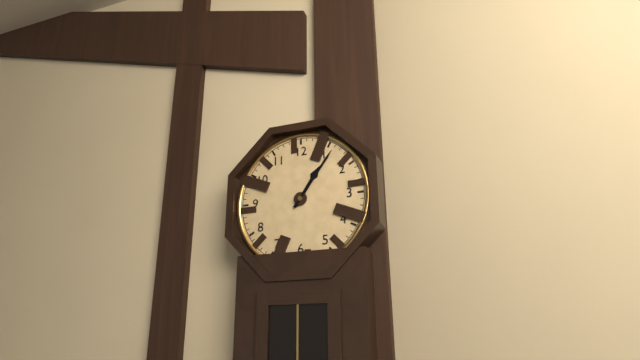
1:06
